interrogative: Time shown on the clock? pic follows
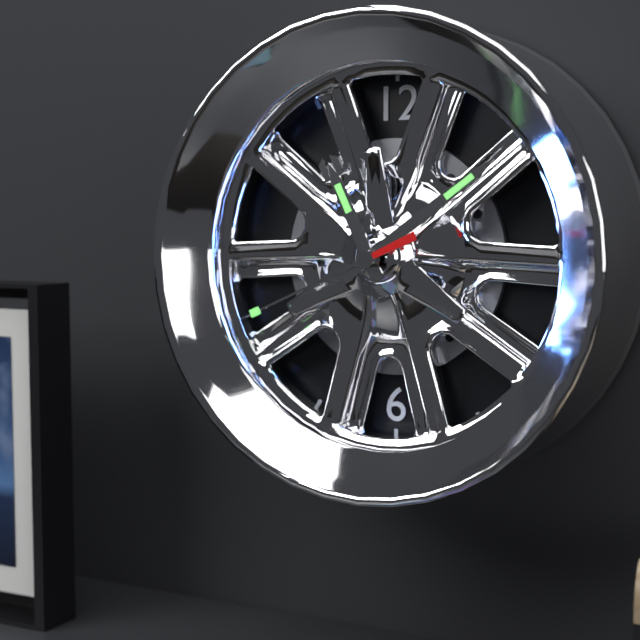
11:09:41
